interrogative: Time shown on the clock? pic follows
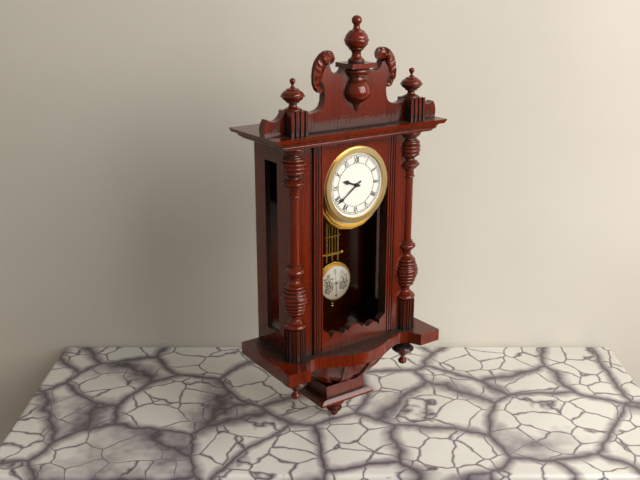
9:39
